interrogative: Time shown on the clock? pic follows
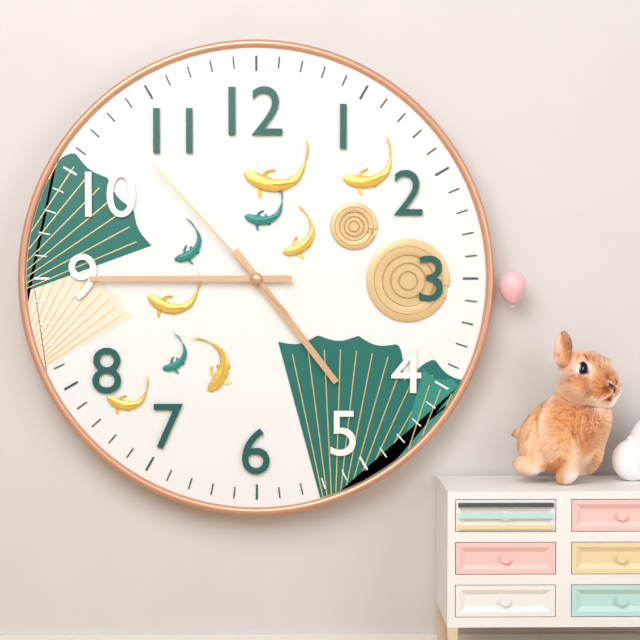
4:45:53
